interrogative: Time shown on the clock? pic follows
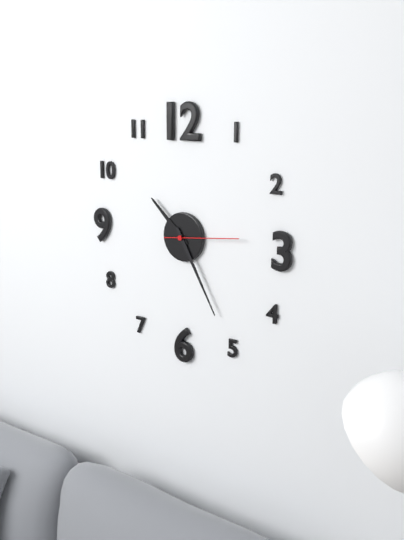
10:25:14
